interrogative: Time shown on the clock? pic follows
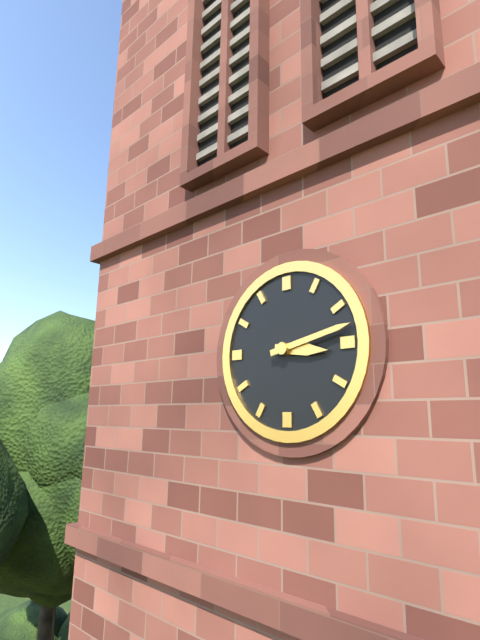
3:13
